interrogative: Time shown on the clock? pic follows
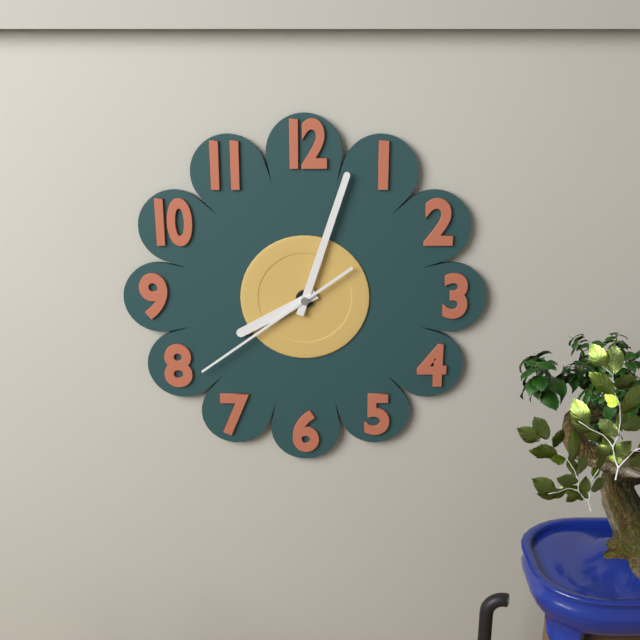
8:03:39
